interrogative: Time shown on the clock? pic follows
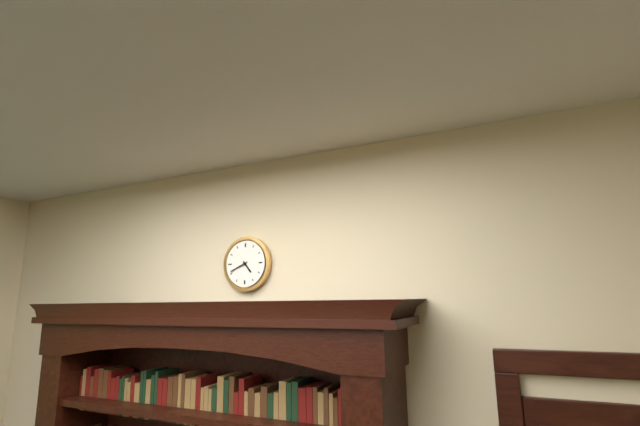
4:41
